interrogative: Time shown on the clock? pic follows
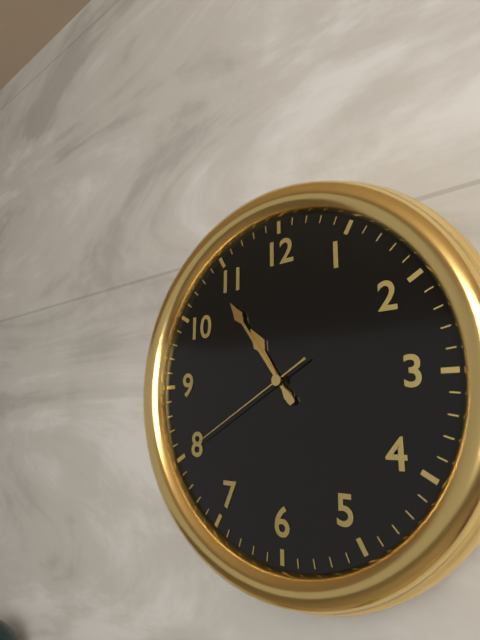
10:54:40
